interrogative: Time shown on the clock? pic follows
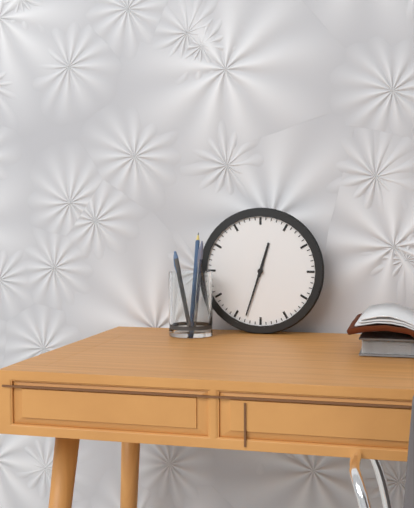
12:33
